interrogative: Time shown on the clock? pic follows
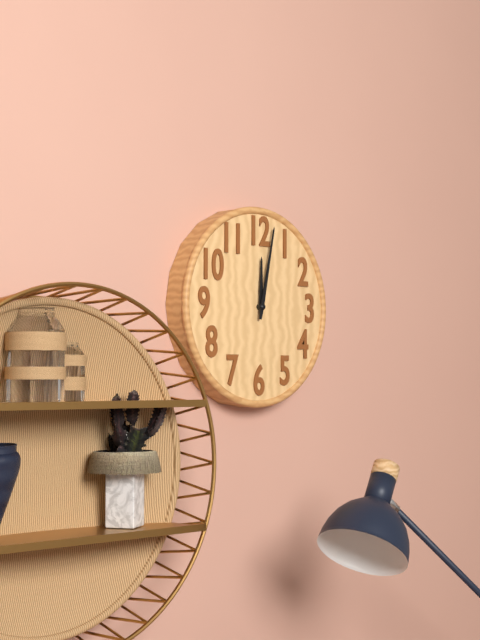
12:02
